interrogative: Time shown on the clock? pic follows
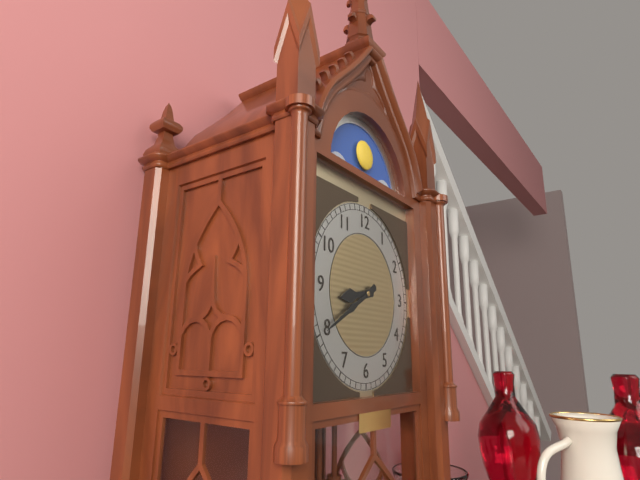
8:40
